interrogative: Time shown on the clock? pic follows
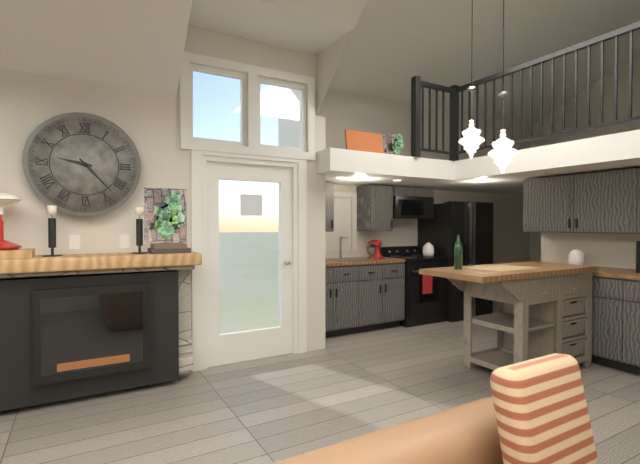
9:23
